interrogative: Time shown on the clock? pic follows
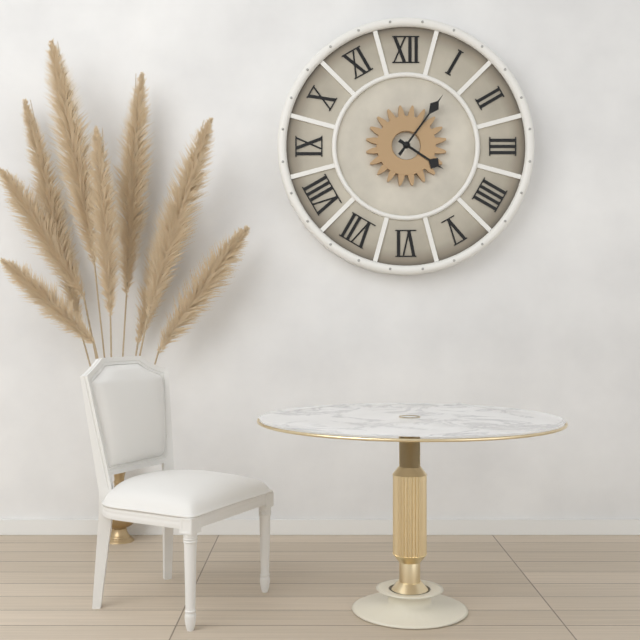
4:06
